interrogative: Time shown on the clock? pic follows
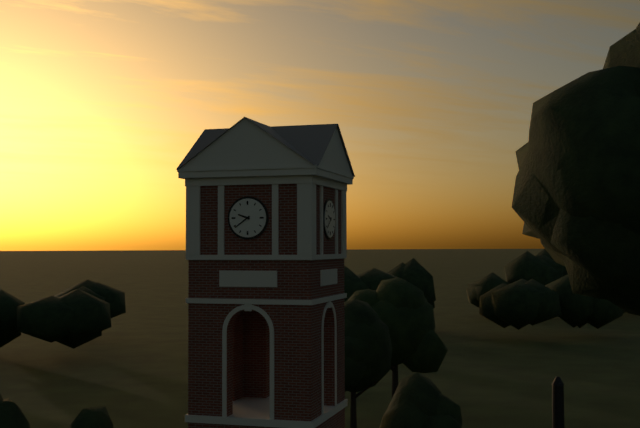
9:39
